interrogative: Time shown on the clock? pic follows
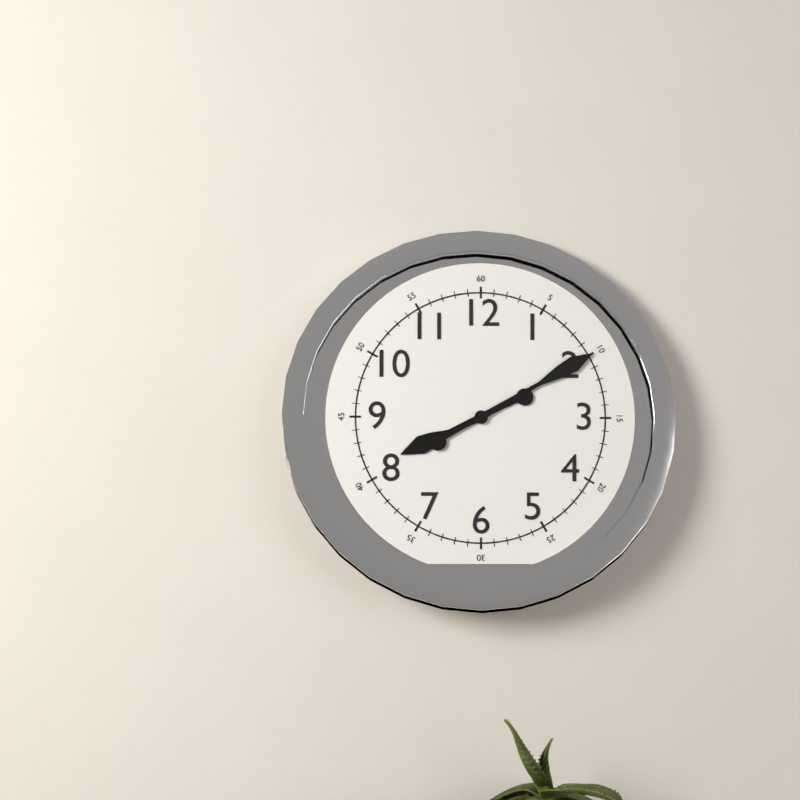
8:10
